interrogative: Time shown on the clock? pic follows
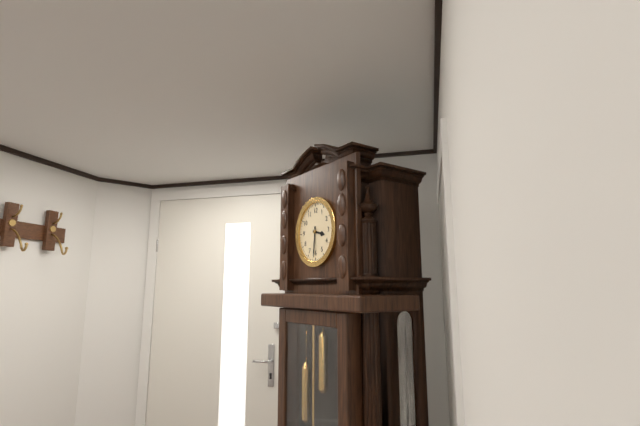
3:31
